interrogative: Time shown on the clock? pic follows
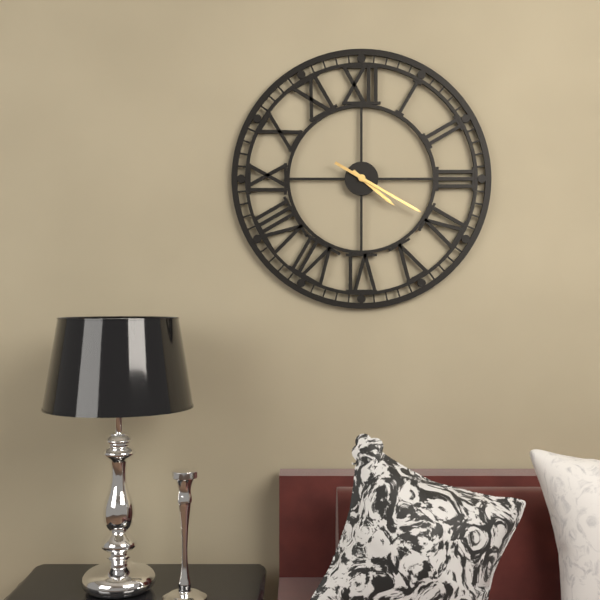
4:20
